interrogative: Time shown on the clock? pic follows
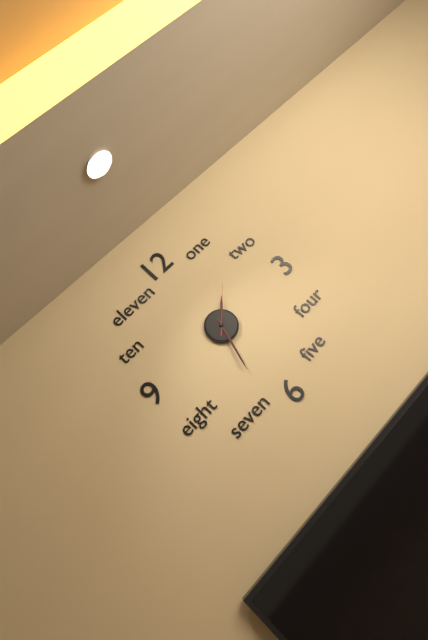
1:33:08
